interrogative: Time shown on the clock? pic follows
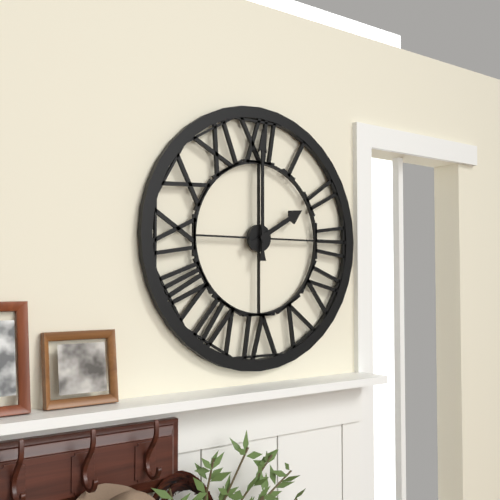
2:00
